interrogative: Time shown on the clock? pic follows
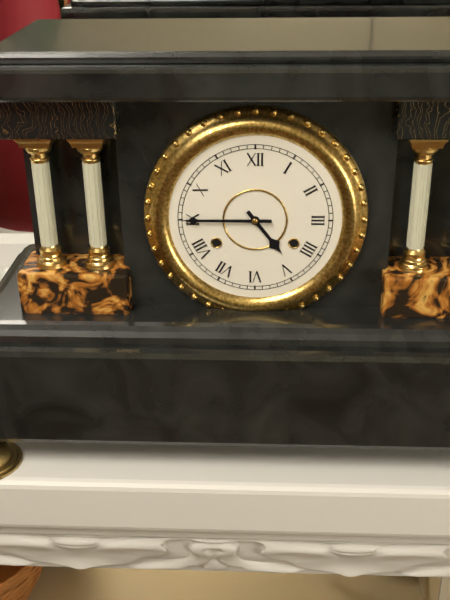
4:45
